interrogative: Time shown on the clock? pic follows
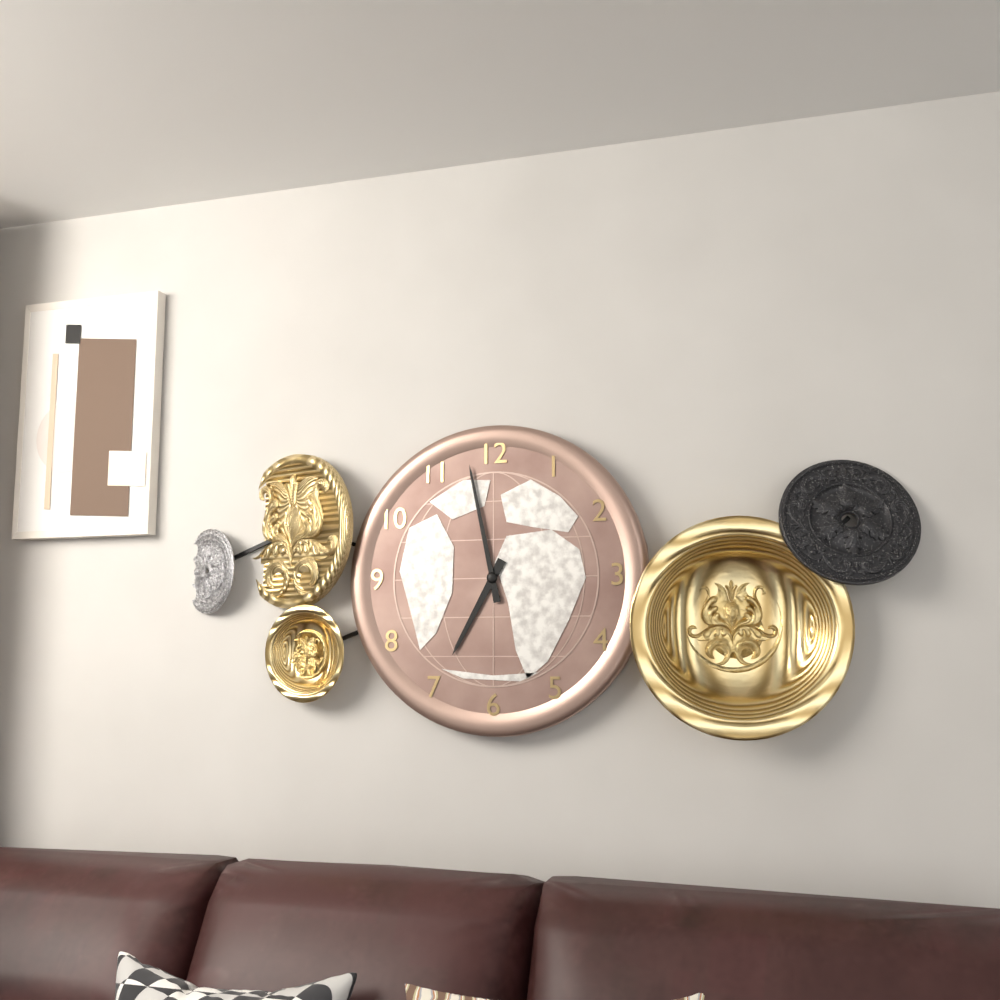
6:58
